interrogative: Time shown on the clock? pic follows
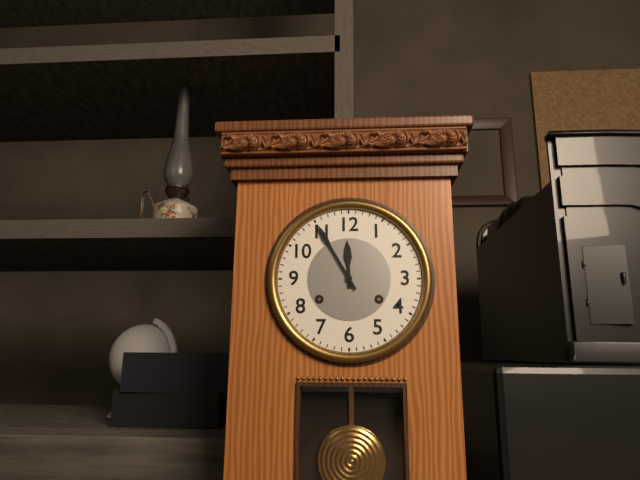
11:55
